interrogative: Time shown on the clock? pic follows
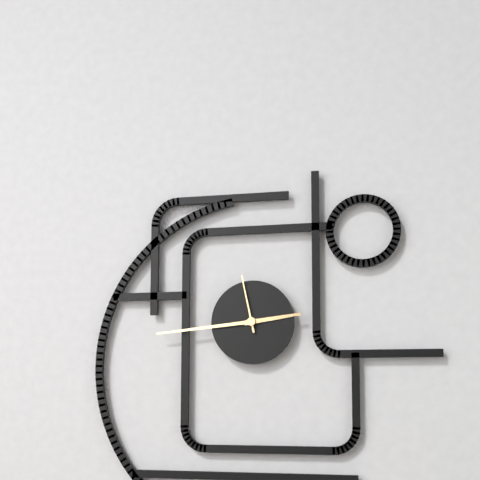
2:44:58
